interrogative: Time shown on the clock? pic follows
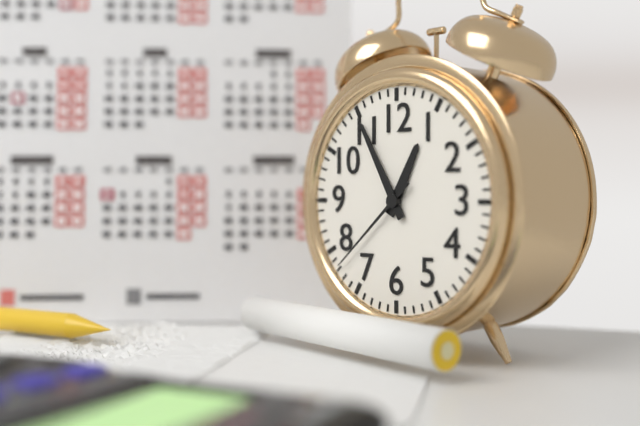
12:55:38
